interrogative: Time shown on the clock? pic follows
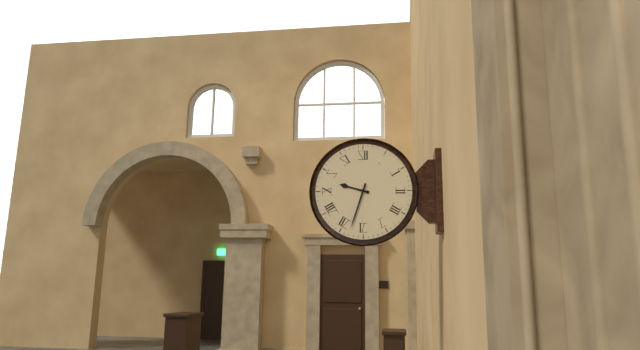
9:33
